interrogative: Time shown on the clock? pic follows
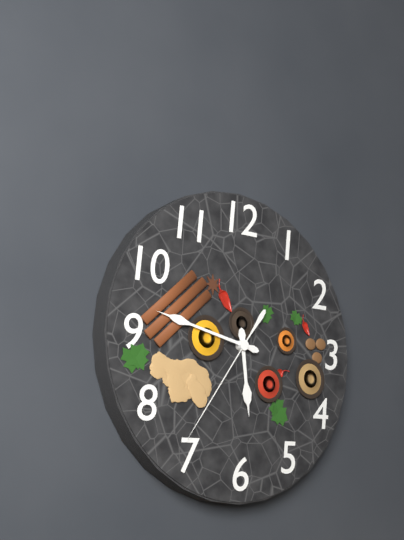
5:47:36
